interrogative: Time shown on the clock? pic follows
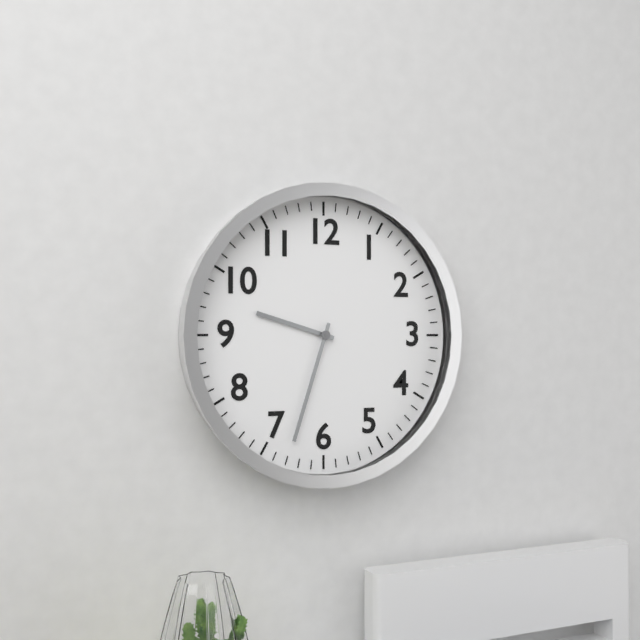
9:33
